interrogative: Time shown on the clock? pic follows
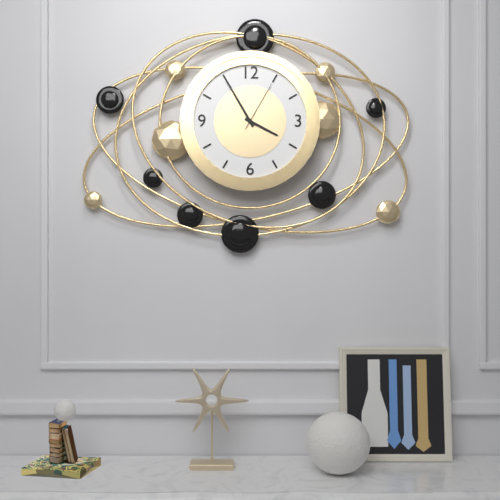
3:55:05
